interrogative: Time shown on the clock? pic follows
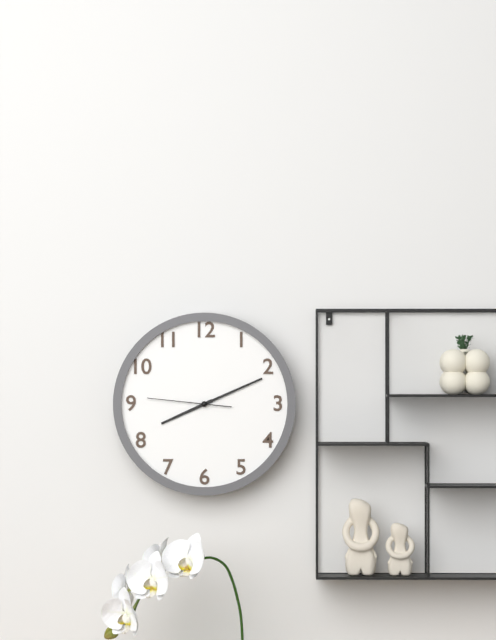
8:11:46
